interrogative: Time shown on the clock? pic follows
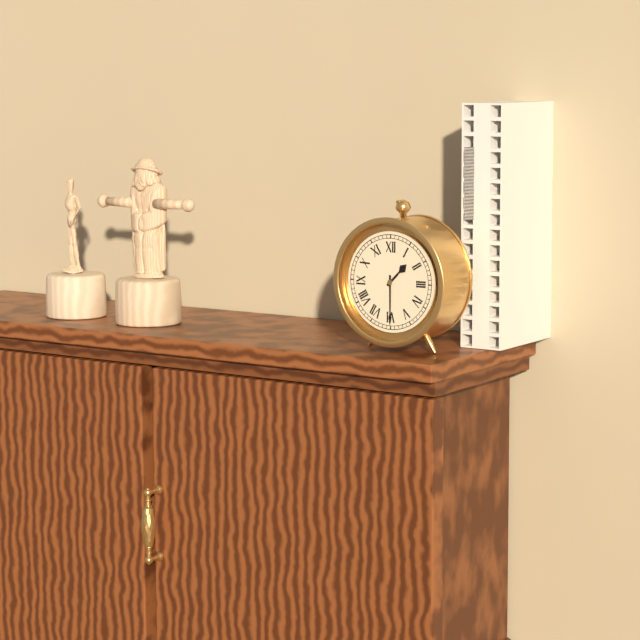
1:30
